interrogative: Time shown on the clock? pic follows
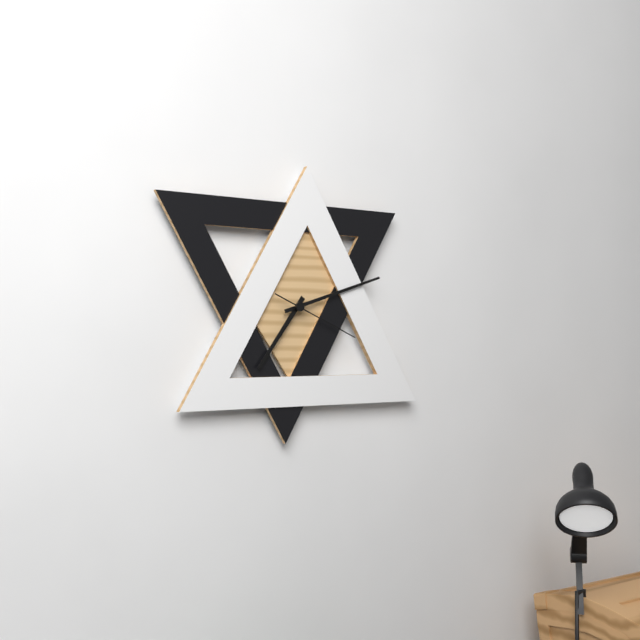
7:12:19
